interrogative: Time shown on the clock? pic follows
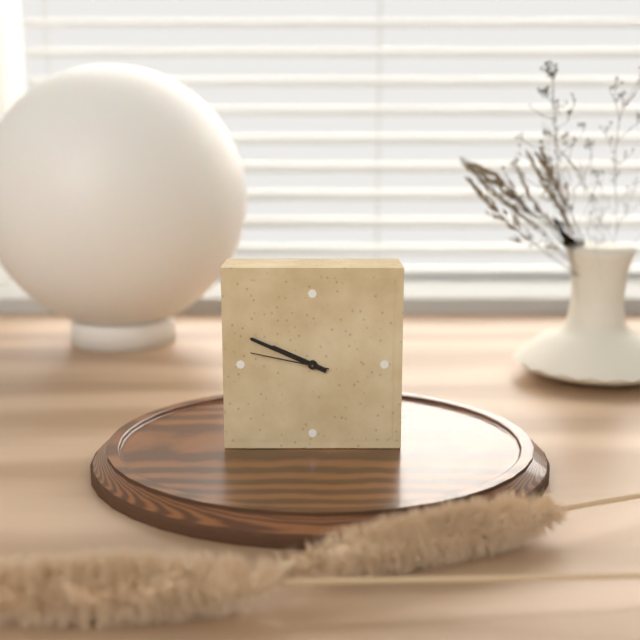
9:49:47
